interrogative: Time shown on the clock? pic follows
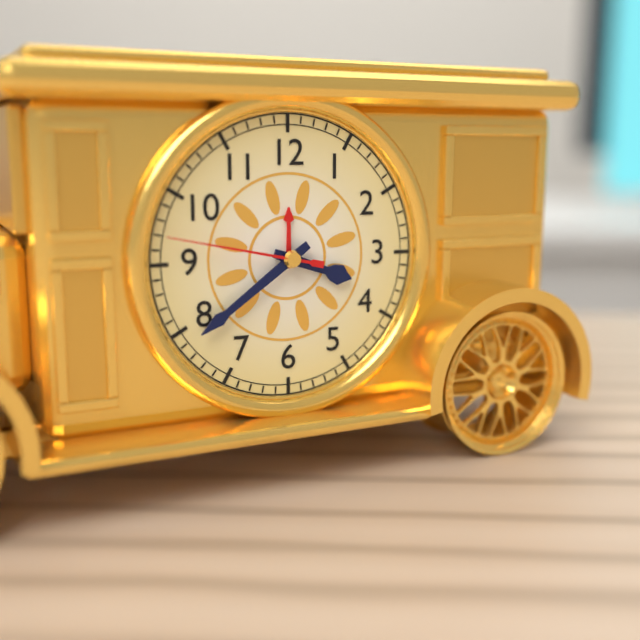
3:39:47
